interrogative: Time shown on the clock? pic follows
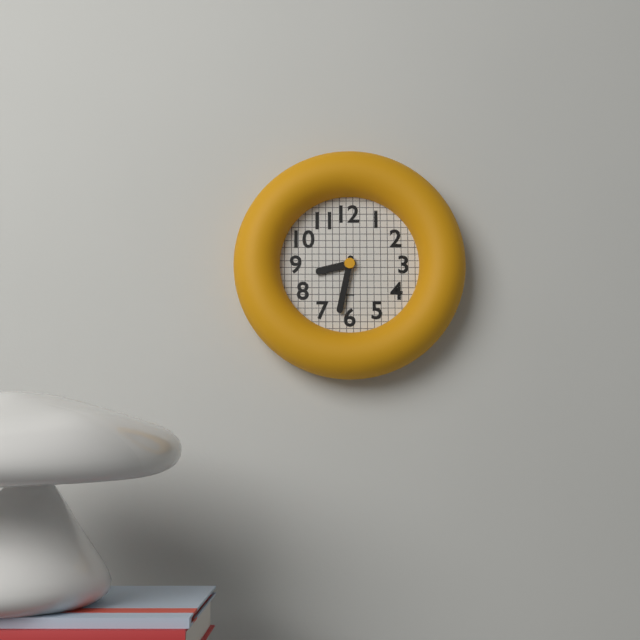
8:32
